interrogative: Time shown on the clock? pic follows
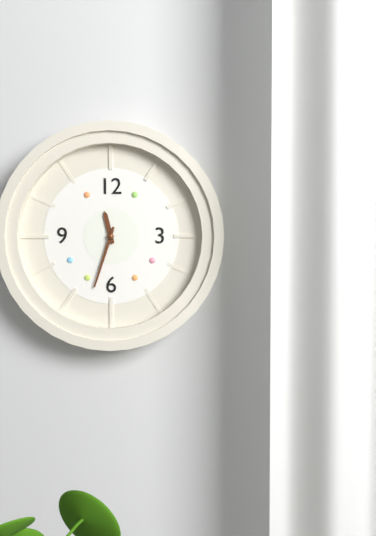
11:33
